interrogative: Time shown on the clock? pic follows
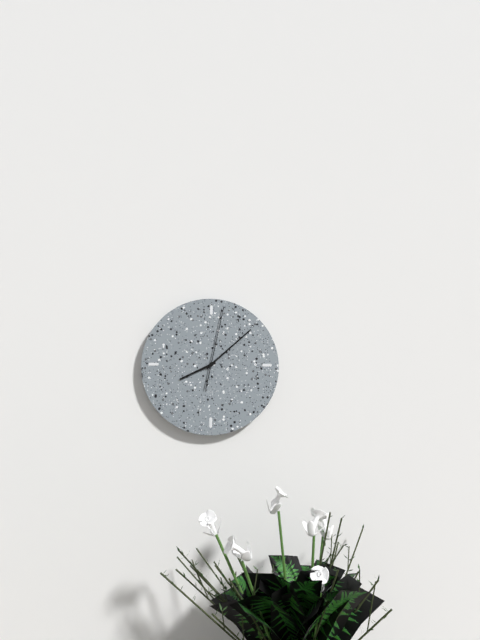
8:08:02
